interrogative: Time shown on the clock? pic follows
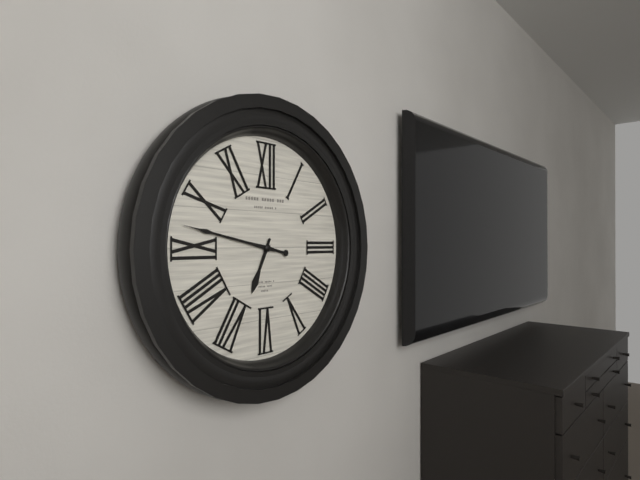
6:47
